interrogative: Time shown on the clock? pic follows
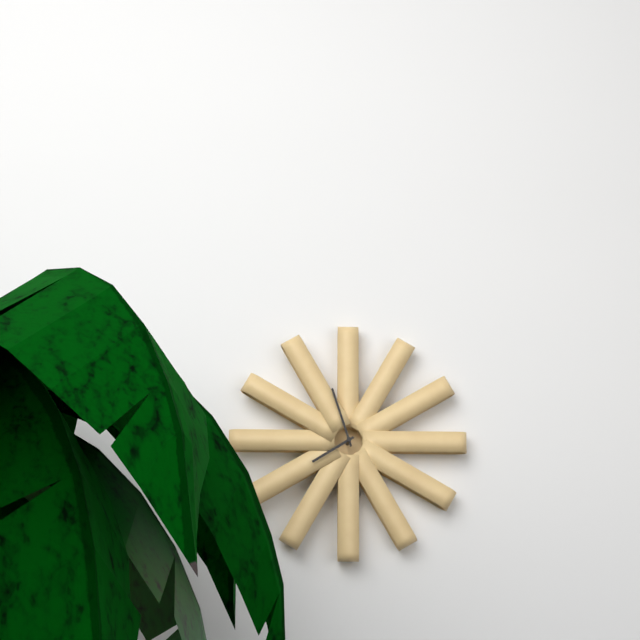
7:57
